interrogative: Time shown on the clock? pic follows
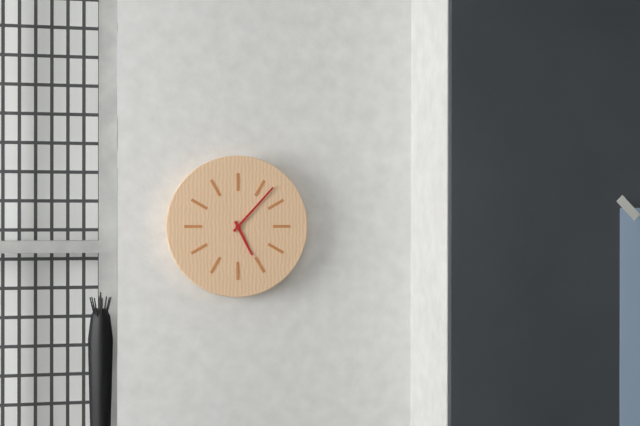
5:07
